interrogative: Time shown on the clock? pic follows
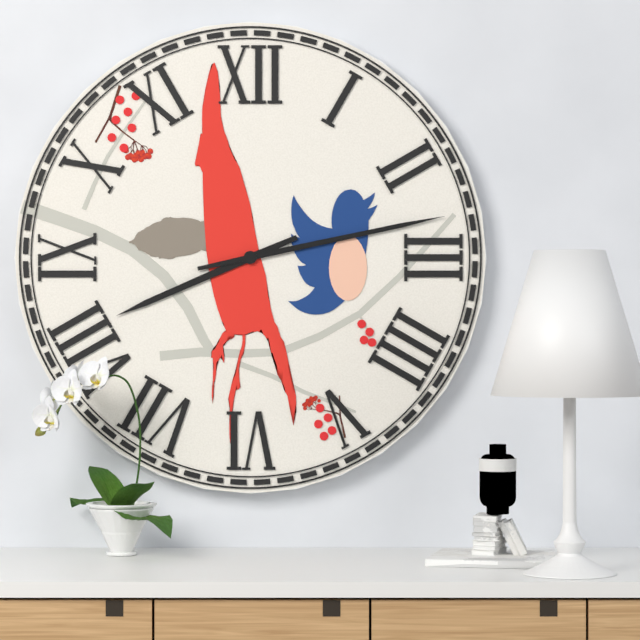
8:13
